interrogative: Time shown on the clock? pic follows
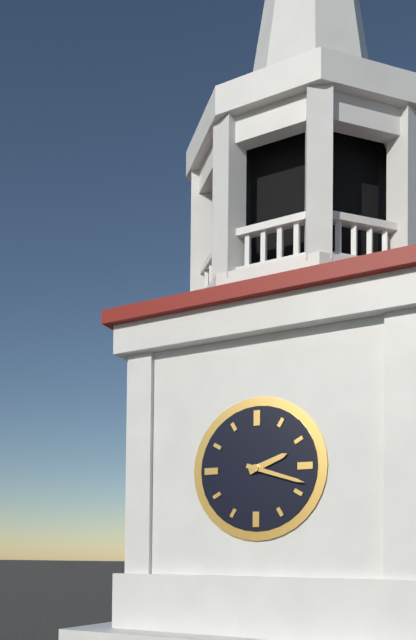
2:18
